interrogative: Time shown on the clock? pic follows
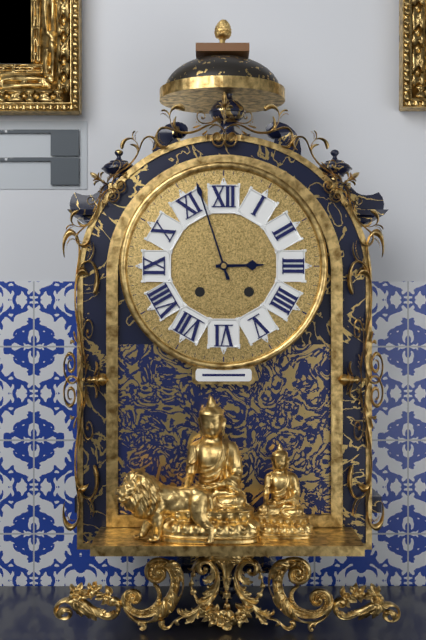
2:57
